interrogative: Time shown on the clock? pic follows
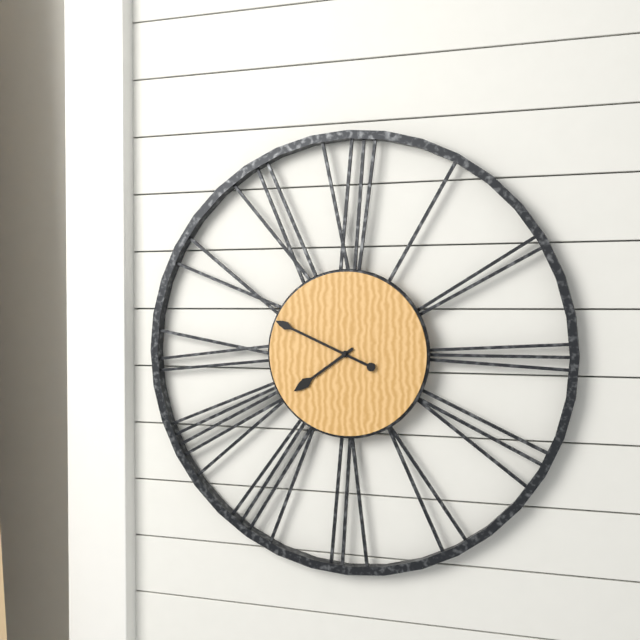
7:49
